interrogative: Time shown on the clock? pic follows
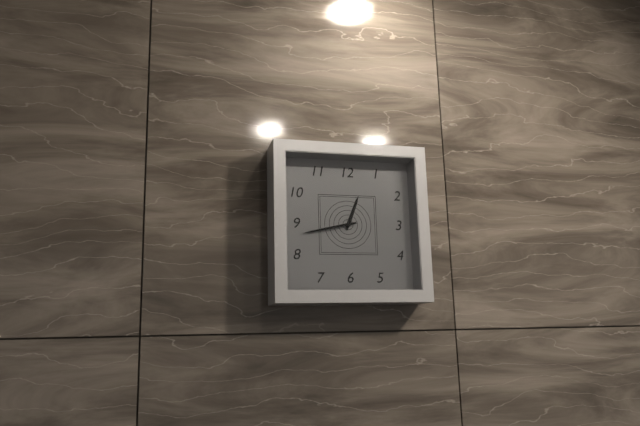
12:43
